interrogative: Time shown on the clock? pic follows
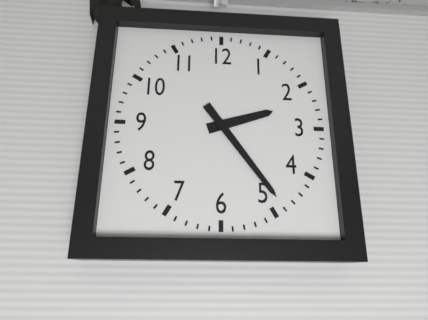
2:24
